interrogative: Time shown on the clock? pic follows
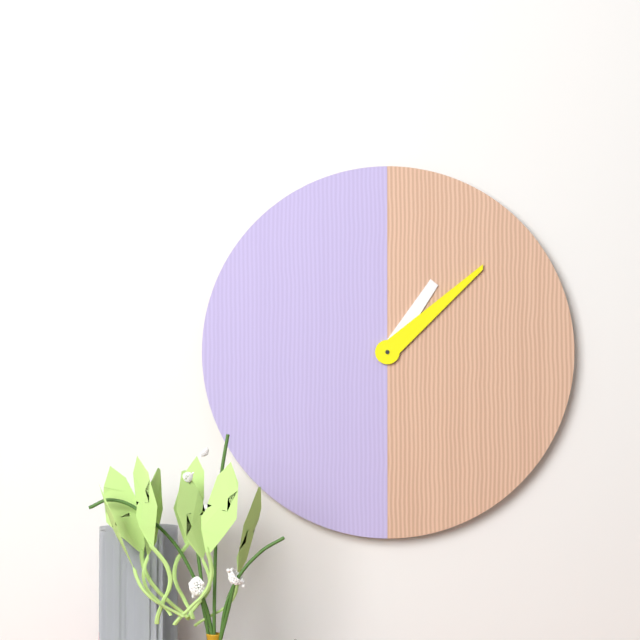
1:08
